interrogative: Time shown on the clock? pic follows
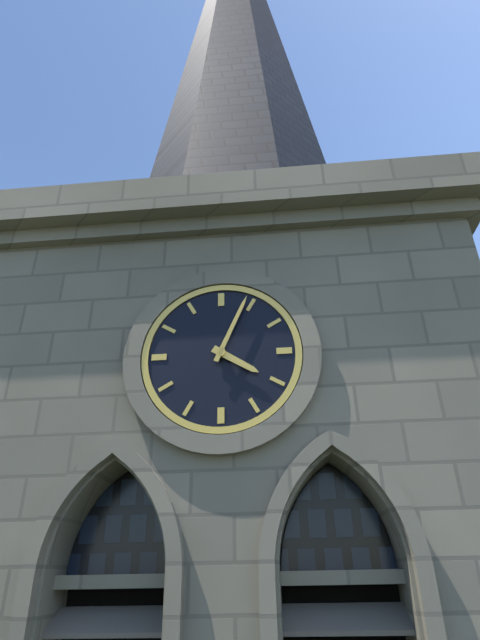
4:04
